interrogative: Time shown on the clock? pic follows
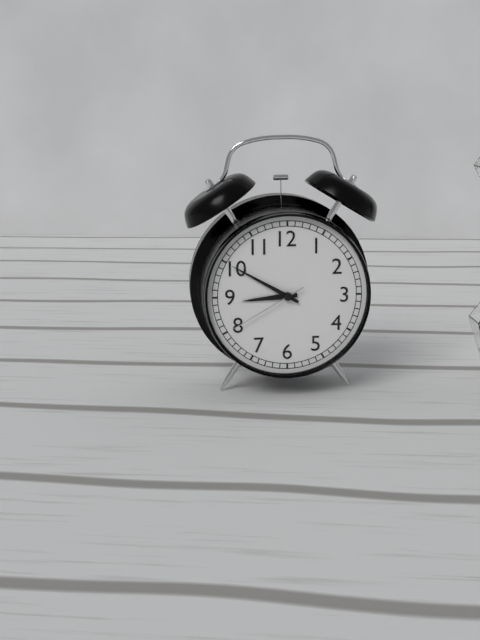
8:50:40
